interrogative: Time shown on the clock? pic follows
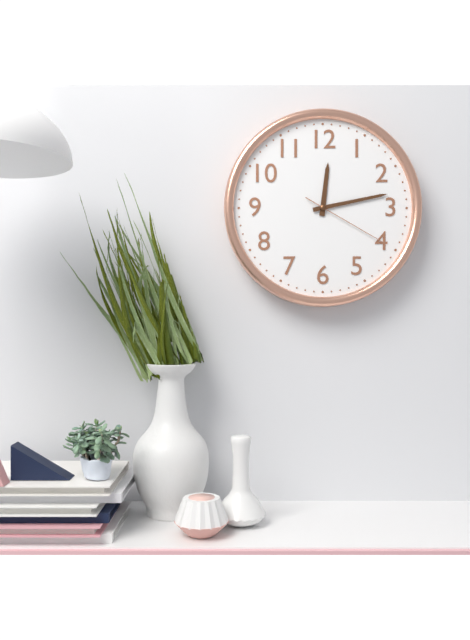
12:13:20
